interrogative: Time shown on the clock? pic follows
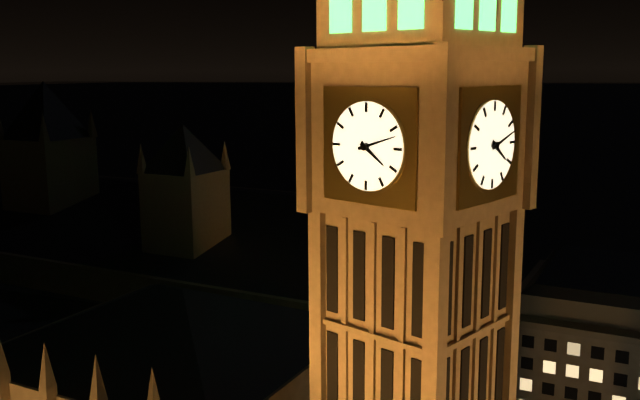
4:12
